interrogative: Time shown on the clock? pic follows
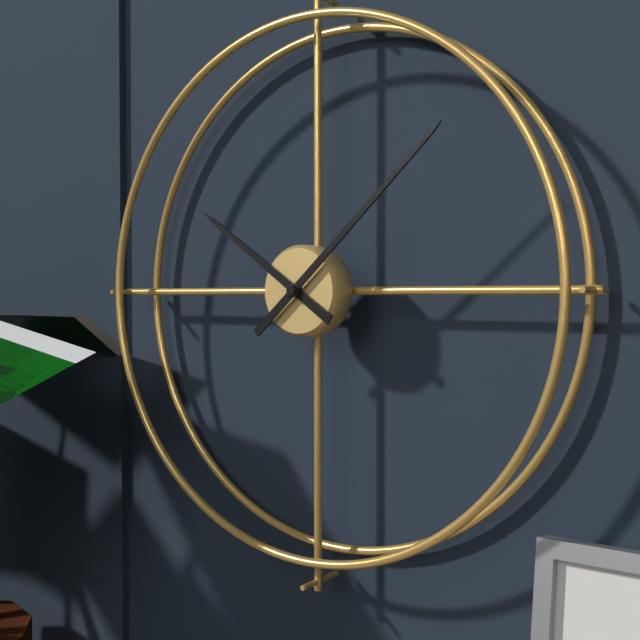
10:08
